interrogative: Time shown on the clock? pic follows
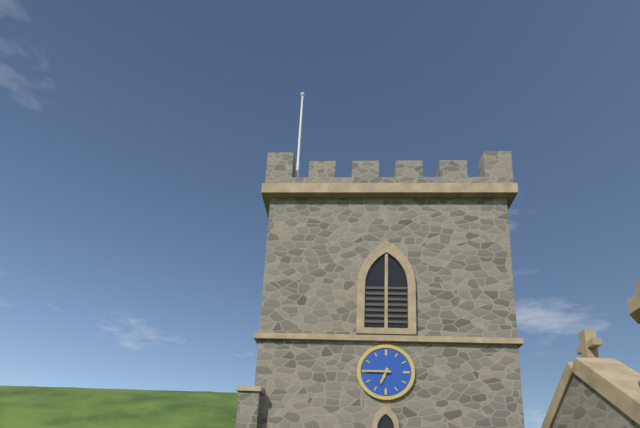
6:45
